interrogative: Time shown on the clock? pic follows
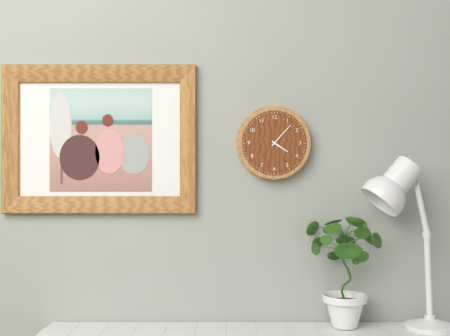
4:07
